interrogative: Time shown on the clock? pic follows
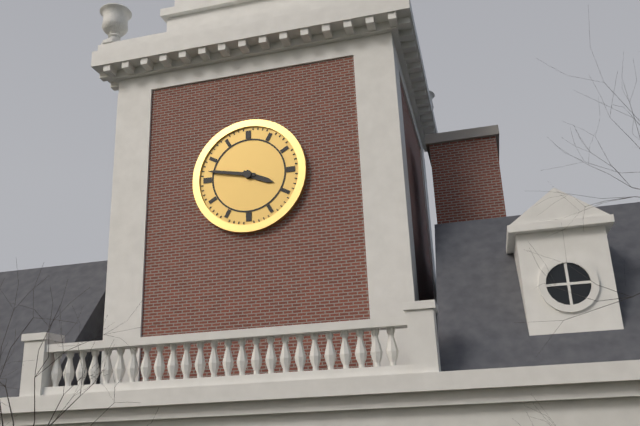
3:47
